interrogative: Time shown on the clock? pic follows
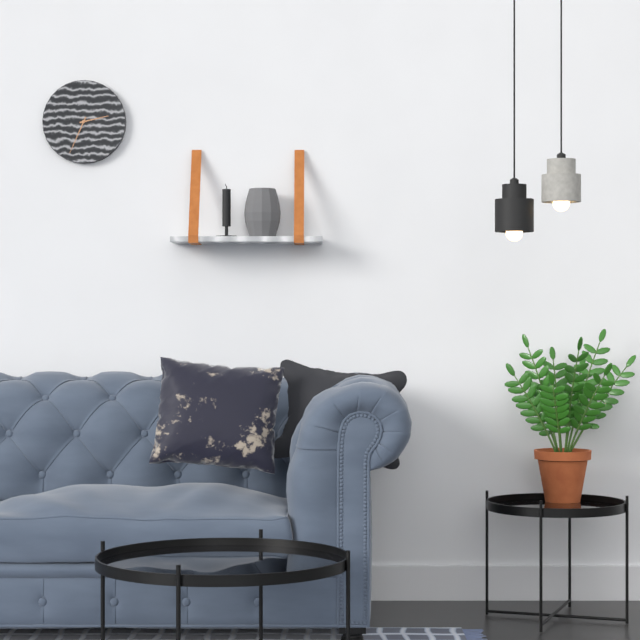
2:34
